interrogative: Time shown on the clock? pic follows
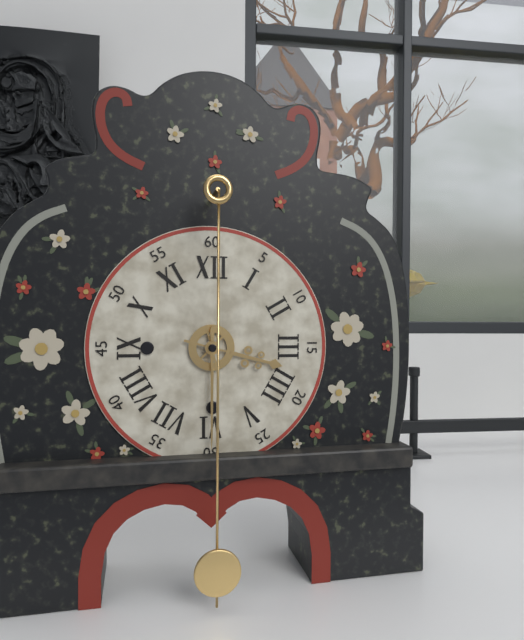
3:30
